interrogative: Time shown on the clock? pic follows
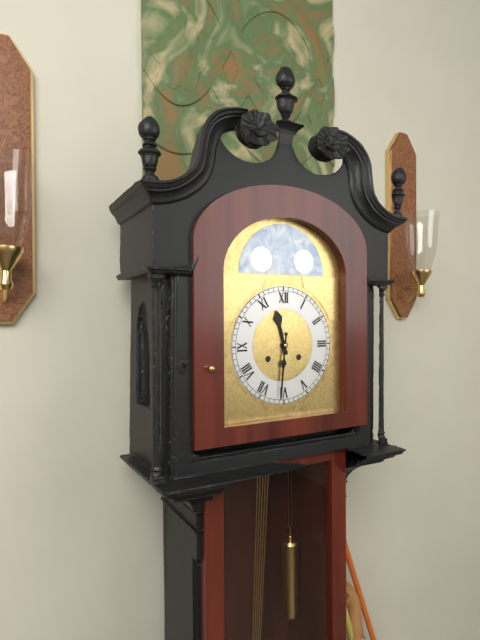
11:31
